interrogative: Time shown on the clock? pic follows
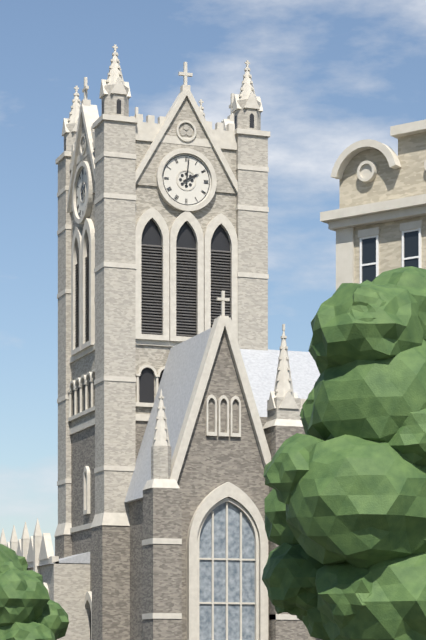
2:01
